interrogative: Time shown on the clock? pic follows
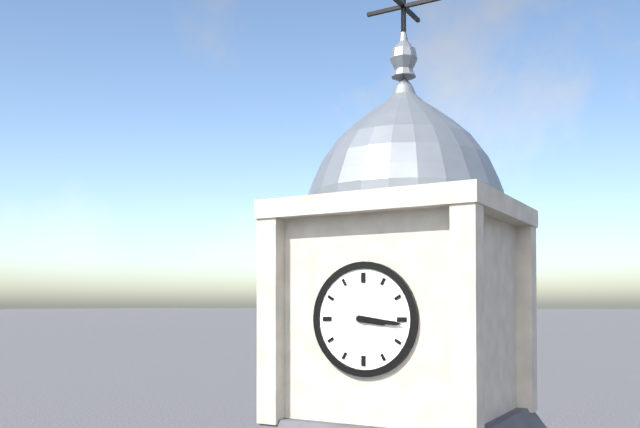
3:16
